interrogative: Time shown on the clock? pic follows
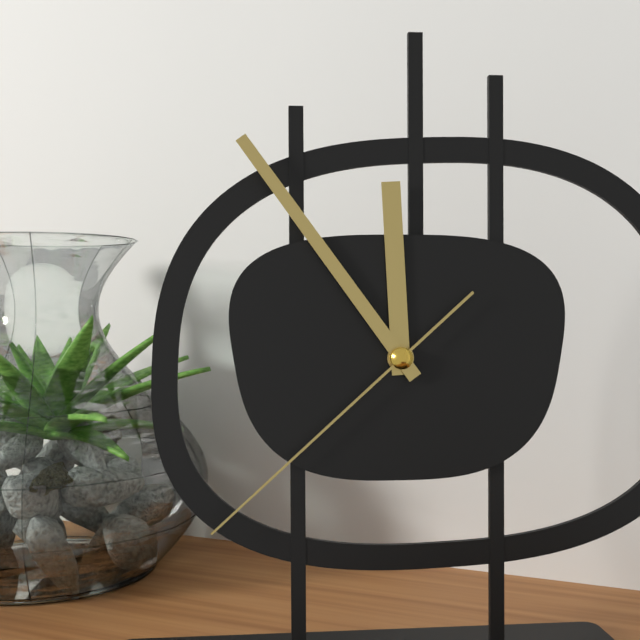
11:54:38
